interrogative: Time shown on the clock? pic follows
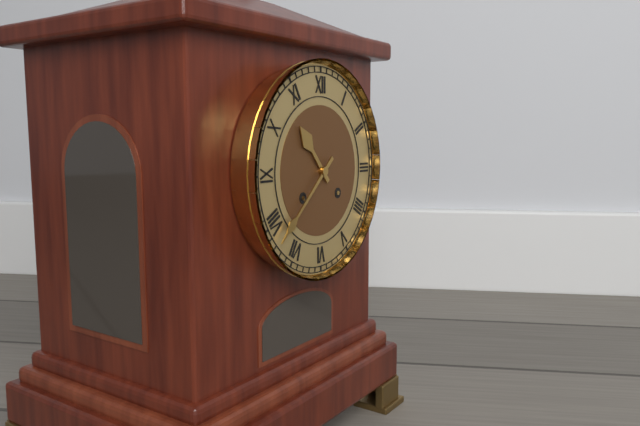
10:38
